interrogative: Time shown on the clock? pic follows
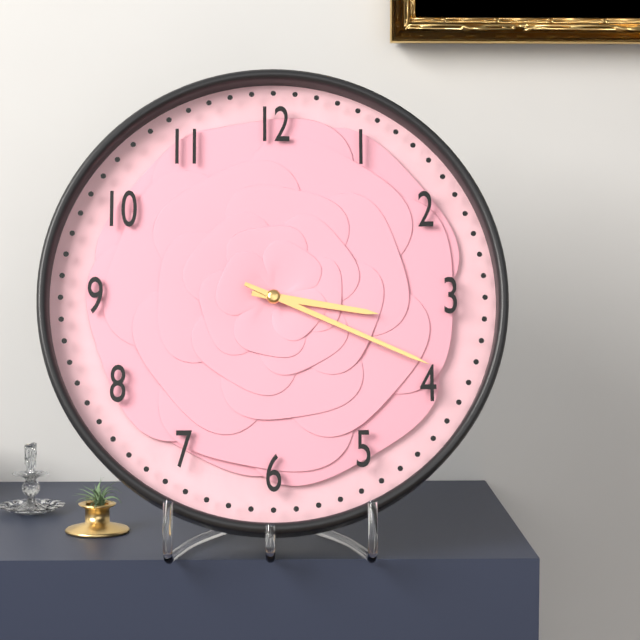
3:19
